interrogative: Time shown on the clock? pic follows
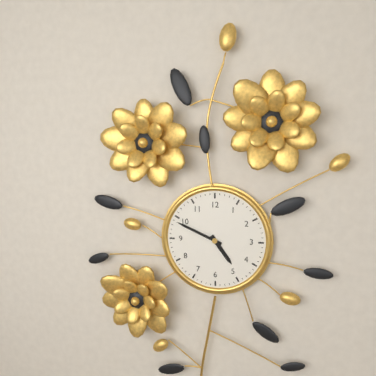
4:49
